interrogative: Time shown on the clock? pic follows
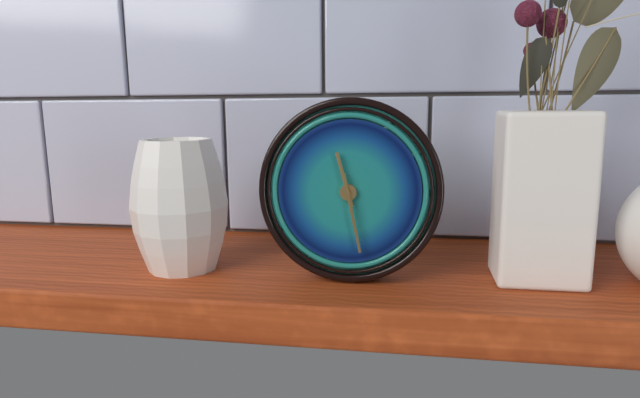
11:28
